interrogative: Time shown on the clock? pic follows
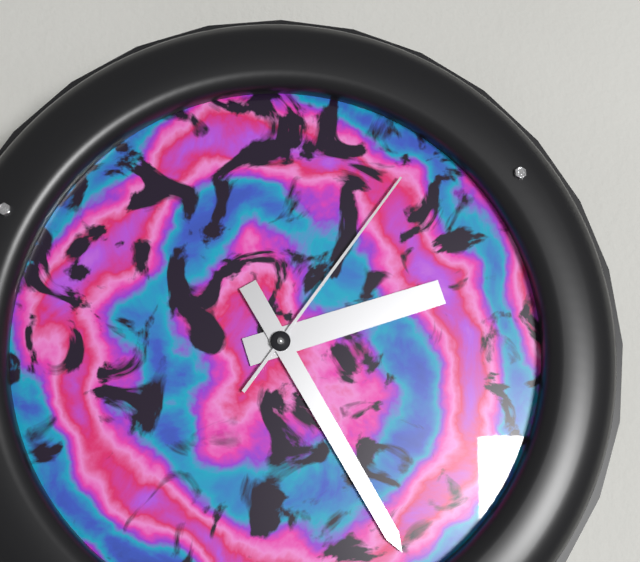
2:25:06
